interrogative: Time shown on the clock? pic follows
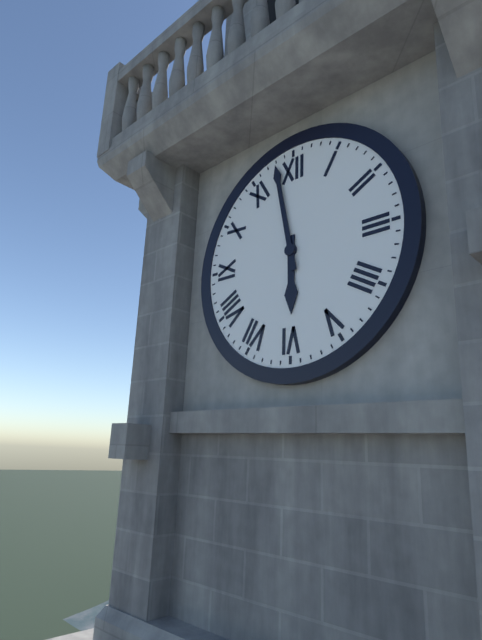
5:58
